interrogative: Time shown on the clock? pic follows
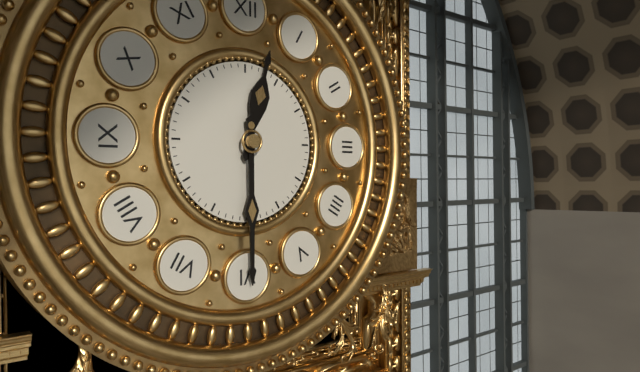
12:30
